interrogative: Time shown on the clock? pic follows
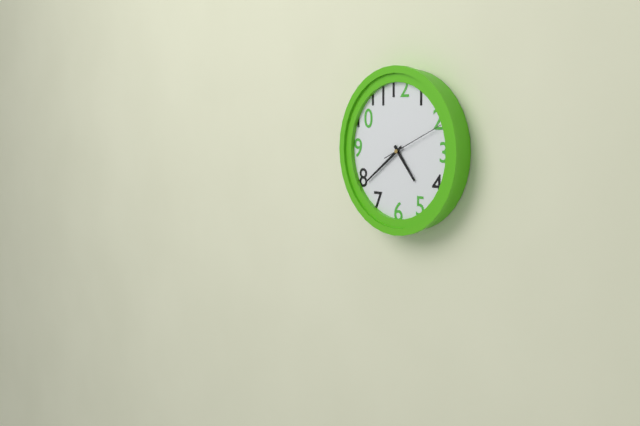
4:39:11
